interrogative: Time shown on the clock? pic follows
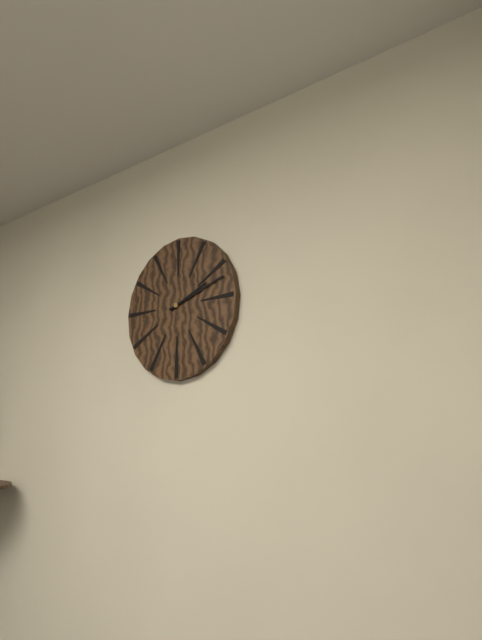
2:12
